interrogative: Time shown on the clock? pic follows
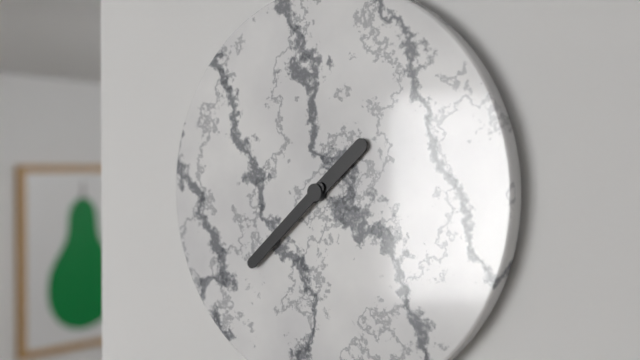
1:38
